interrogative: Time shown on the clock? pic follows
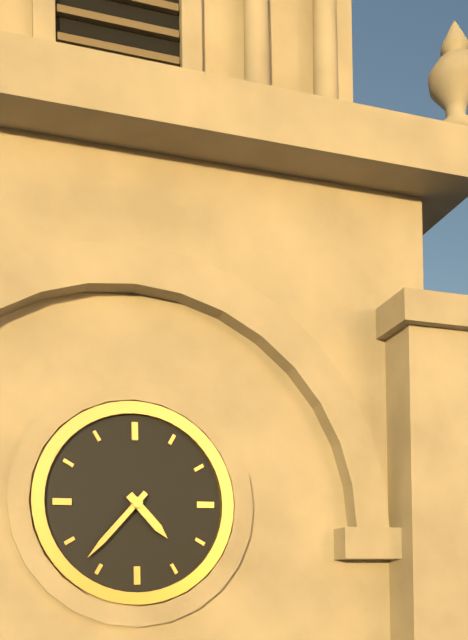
4:37
